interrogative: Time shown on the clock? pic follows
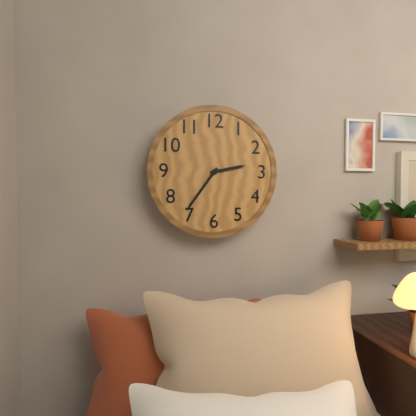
2:36
